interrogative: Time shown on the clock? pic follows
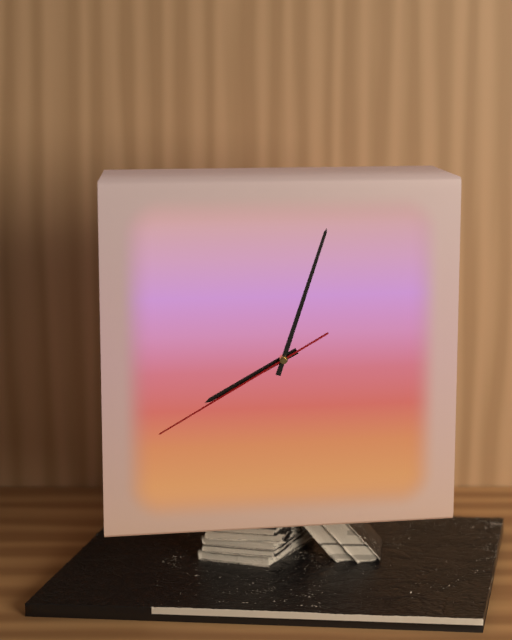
8:03:40
